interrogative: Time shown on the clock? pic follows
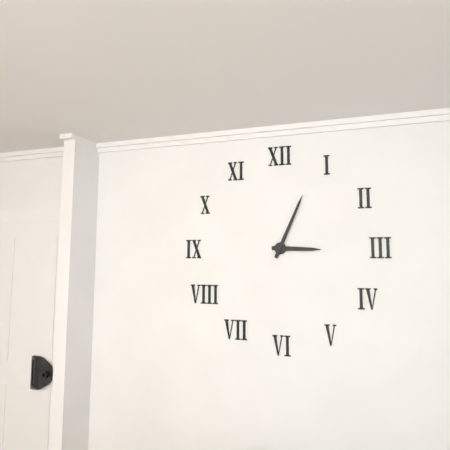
3:04
